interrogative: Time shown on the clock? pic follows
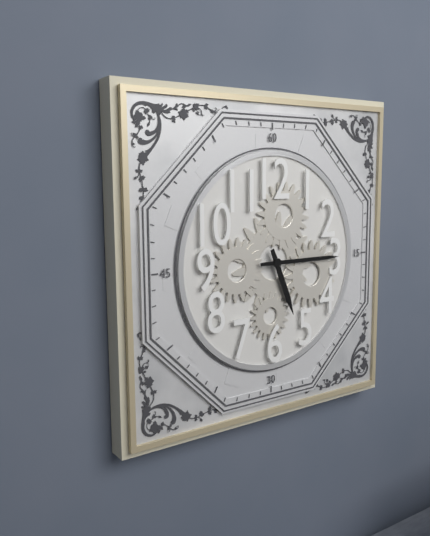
5:15
